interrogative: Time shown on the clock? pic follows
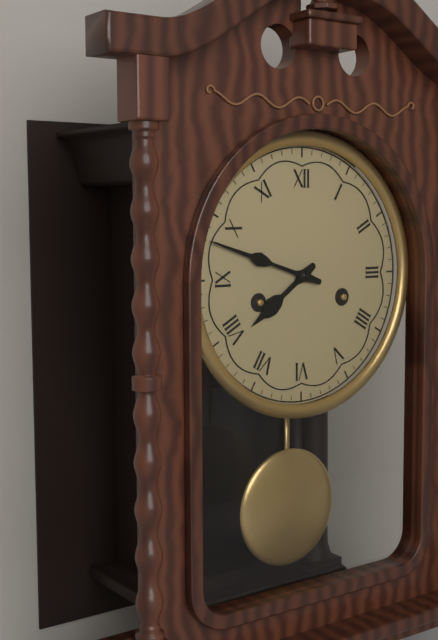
7:48
